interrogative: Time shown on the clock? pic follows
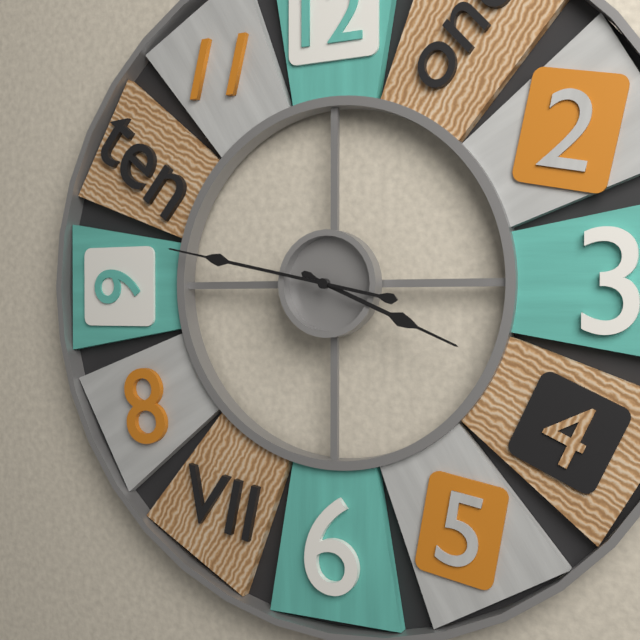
3:47
